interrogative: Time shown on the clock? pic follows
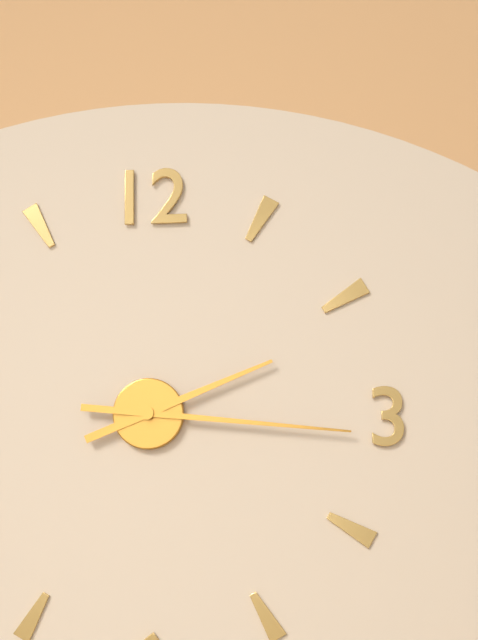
2:16
